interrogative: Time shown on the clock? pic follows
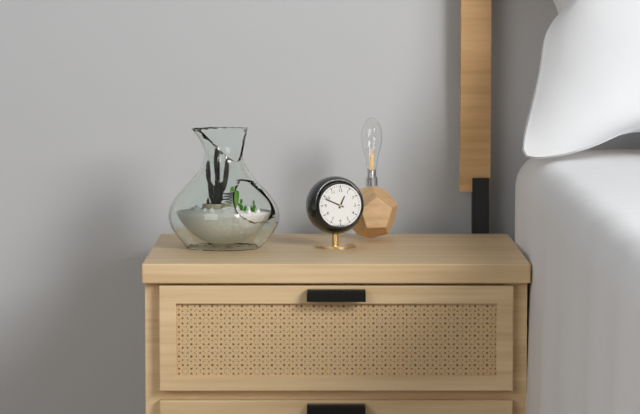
12:49
